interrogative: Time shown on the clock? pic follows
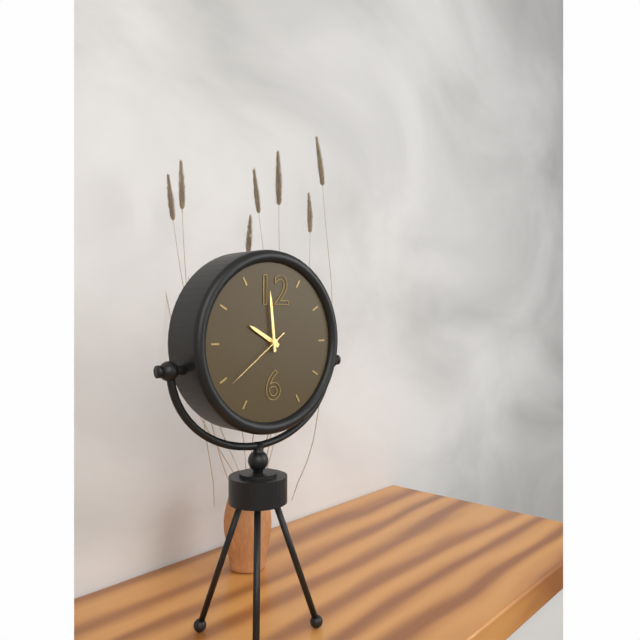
9:59:39
